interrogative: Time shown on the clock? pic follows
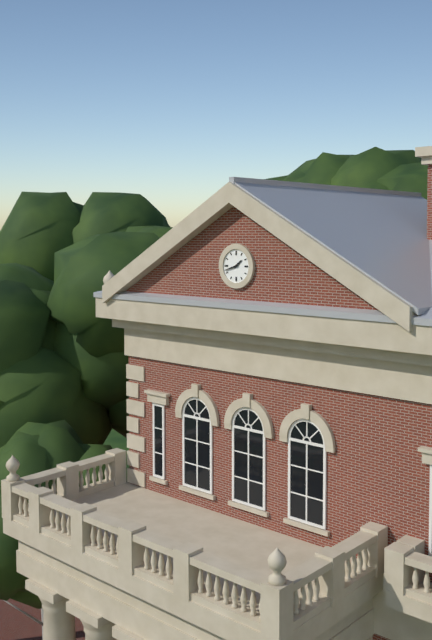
1:42
